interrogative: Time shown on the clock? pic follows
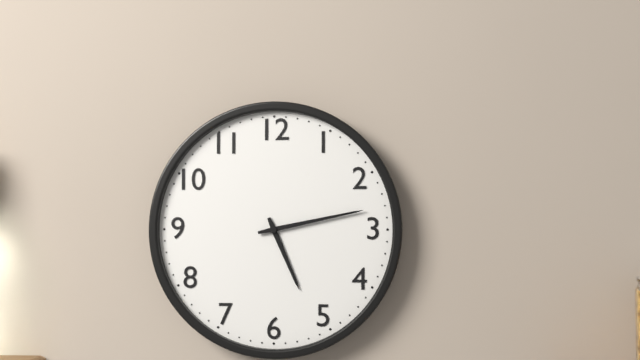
5:13
